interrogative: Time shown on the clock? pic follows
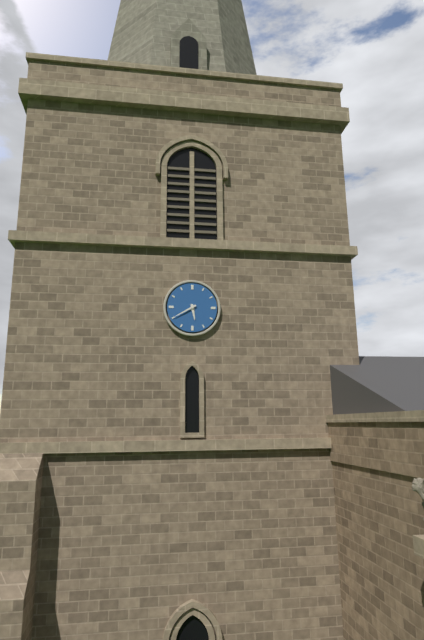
5:40
